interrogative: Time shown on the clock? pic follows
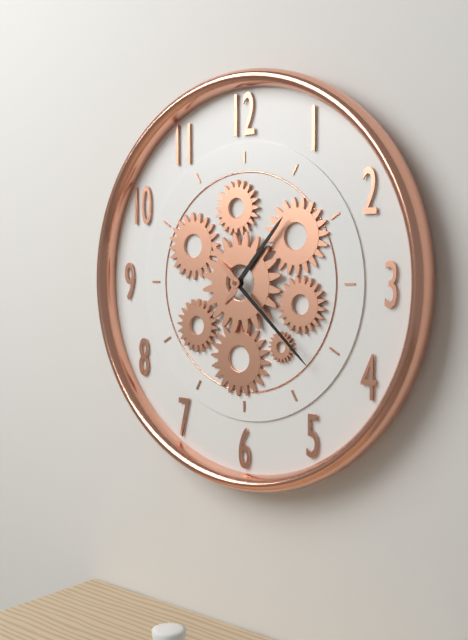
1:22
